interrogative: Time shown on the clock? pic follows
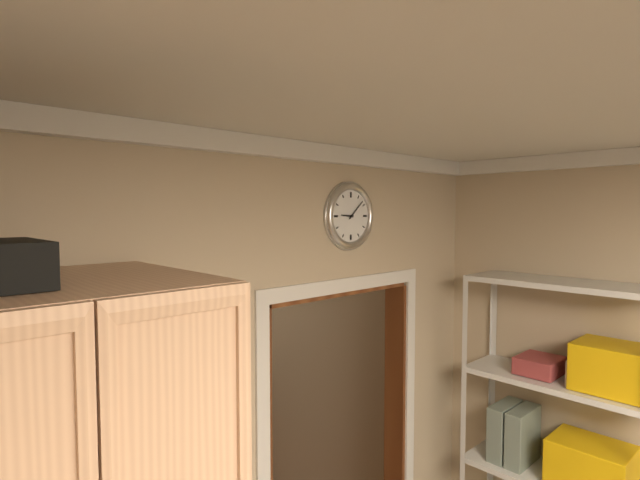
9:08
